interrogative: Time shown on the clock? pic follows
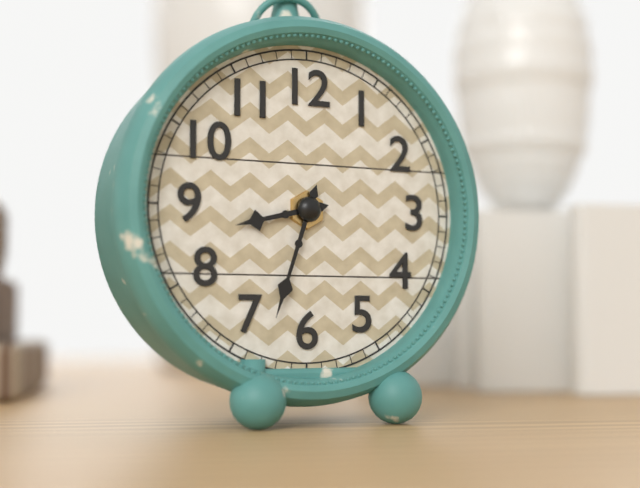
8:33
